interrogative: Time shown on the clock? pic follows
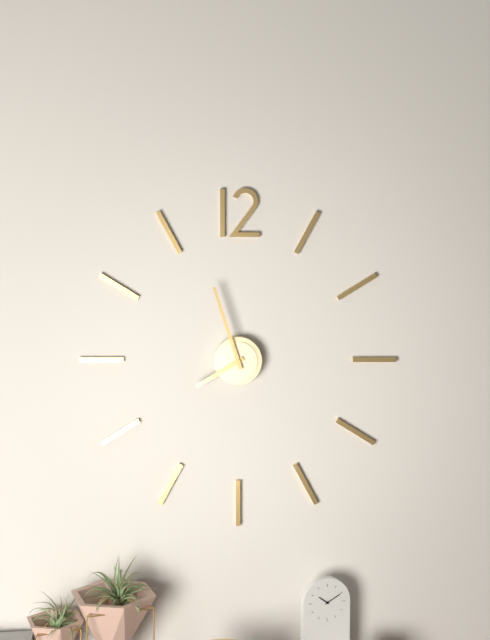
7:57
